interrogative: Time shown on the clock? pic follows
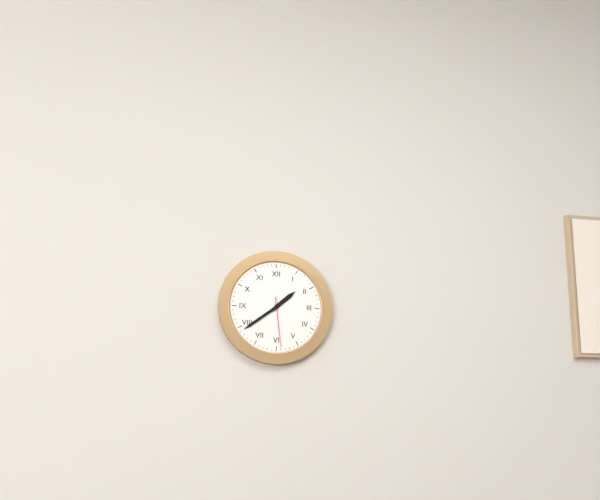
1:39:29
